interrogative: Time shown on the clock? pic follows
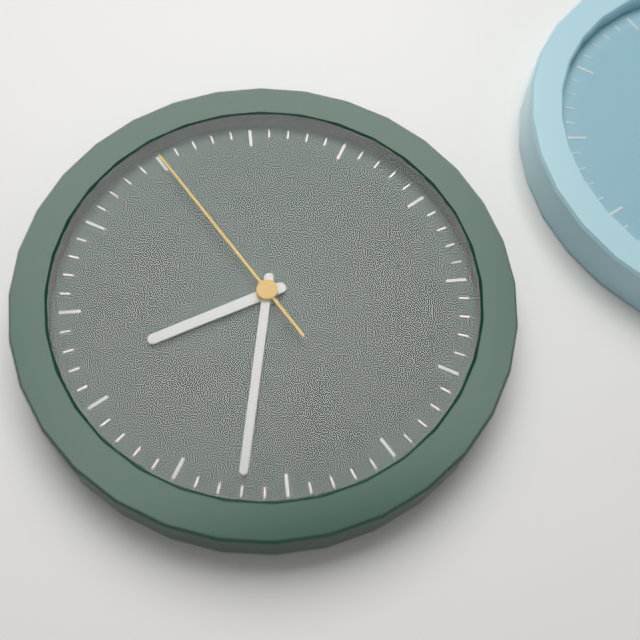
6:22:45
